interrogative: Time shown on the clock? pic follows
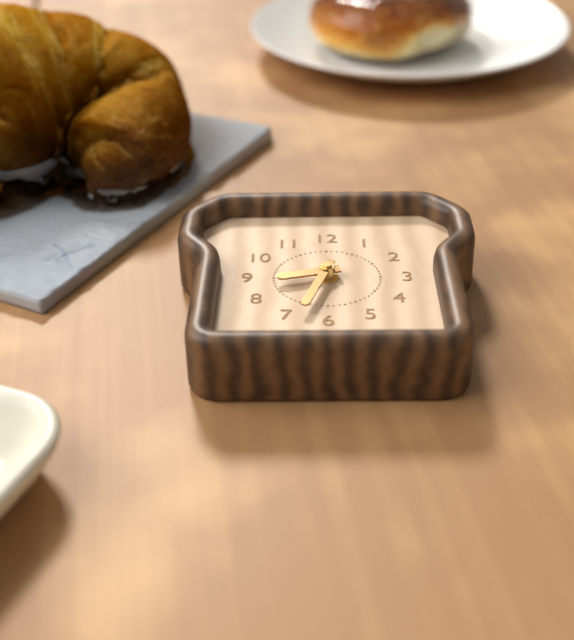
8:33
